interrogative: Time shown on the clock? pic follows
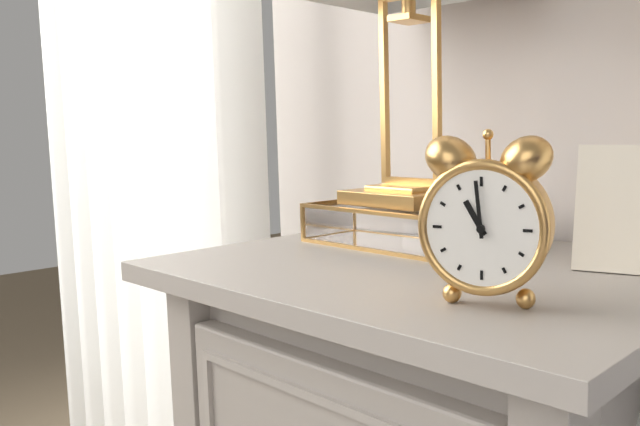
10:59
